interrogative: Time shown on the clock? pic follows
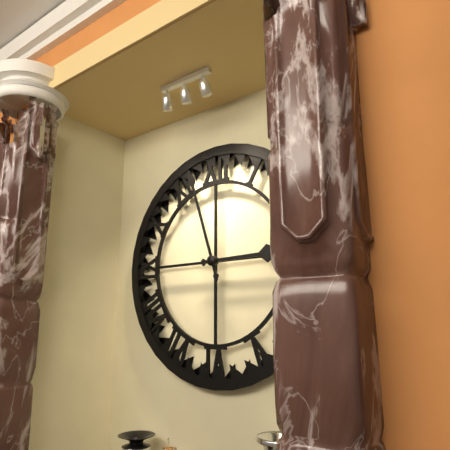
2:57
